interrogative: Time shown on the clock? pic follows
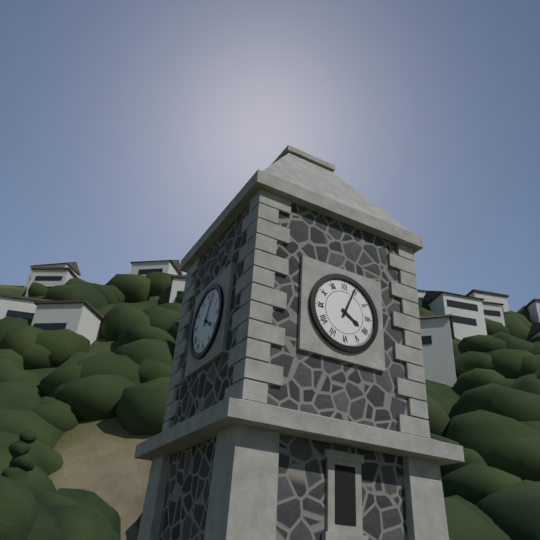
4:04
